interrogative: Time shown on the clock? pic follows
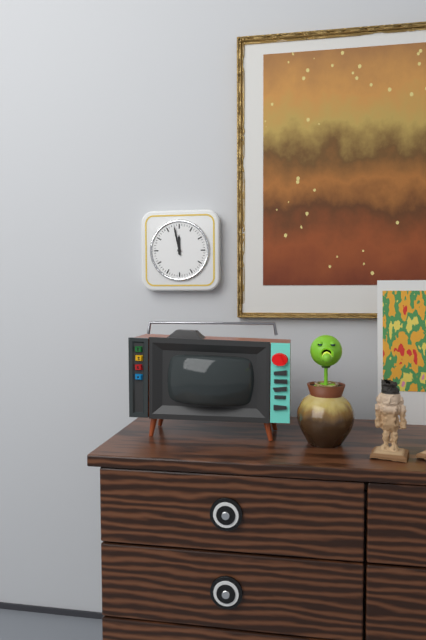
11:58
